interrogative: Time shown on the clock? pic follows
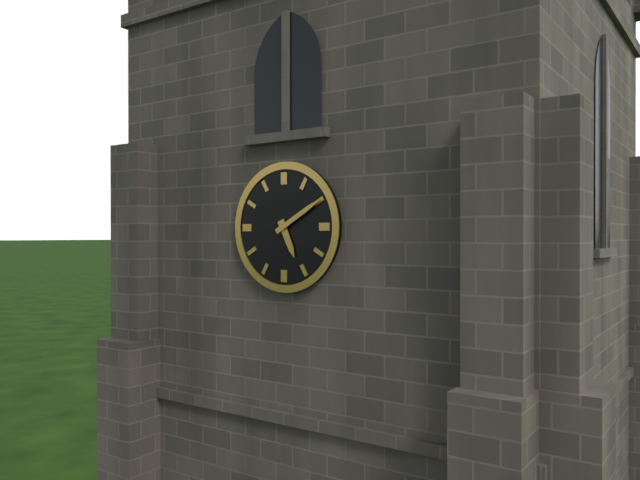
5:10
